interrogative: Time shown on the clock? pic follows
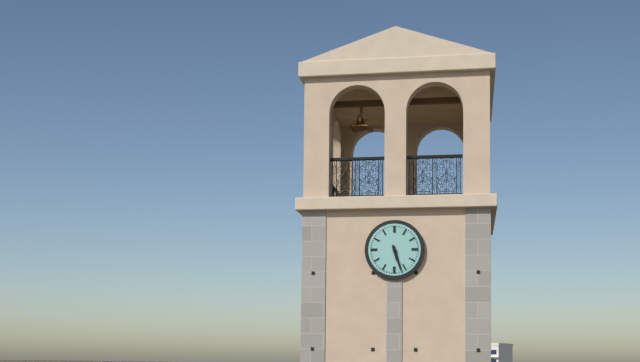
5:27
